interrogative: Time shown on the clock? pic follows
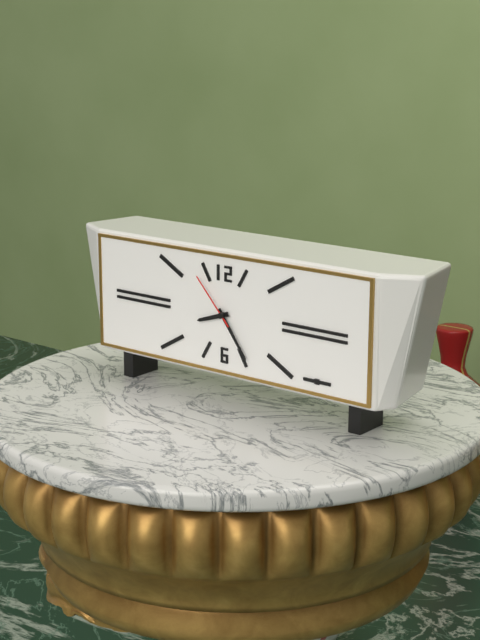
8:24:53
